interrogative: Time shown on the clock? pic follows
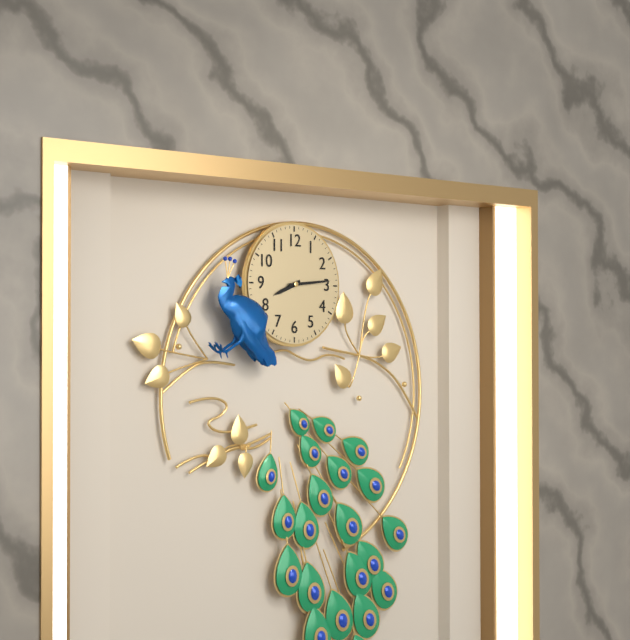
8:14
